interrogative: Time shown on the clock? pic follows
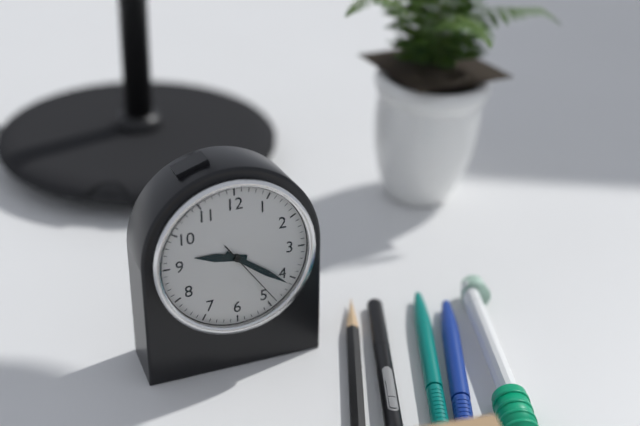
9:21:24
